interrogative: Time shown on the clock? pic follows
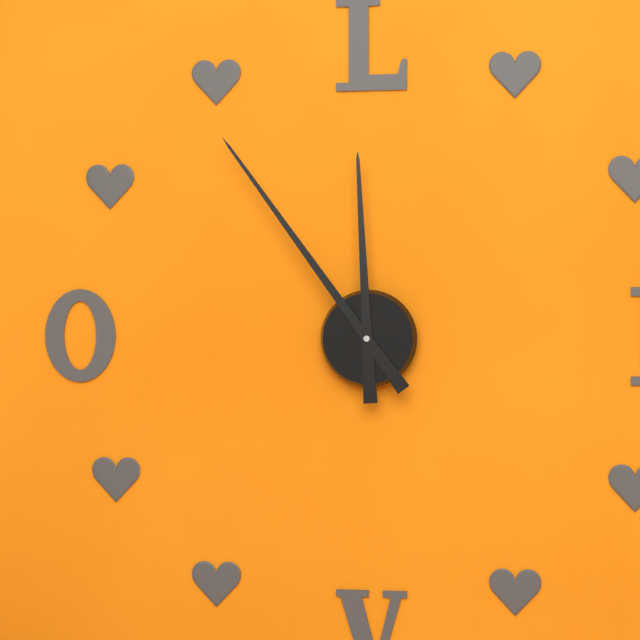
11:54
